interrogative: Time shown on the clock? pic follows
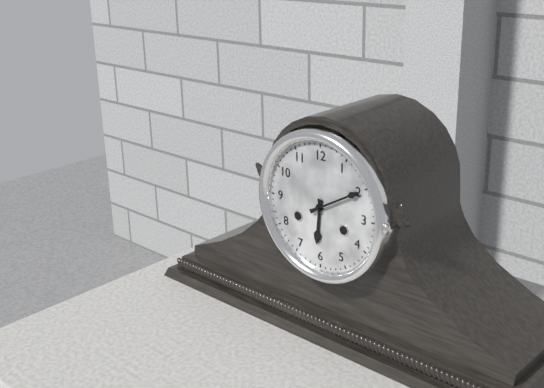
6:10
